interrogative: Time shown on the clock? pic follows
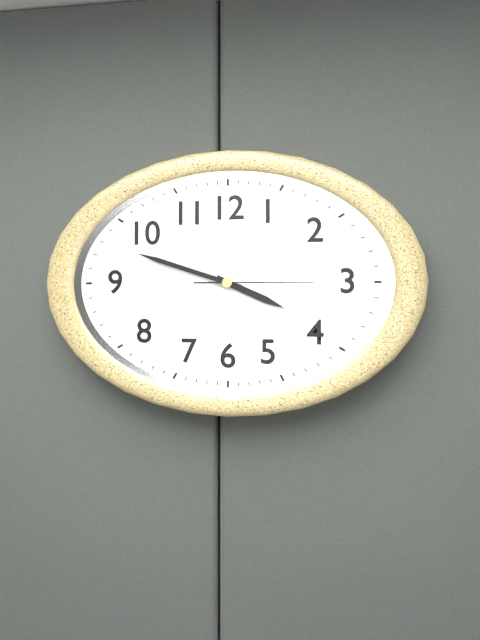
3:48:15
